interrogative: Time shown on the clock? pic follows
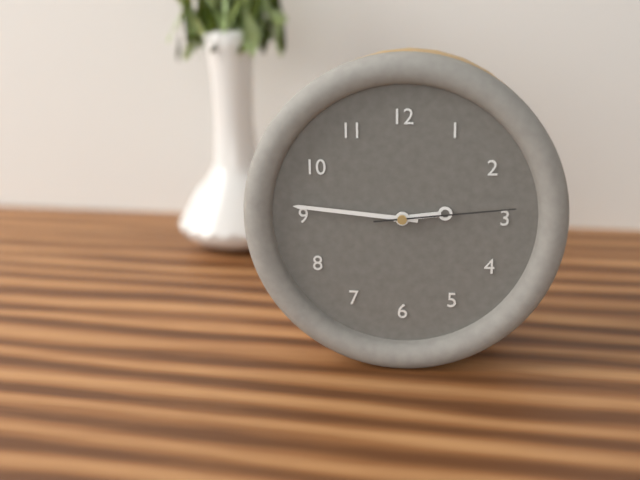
2:46:14
